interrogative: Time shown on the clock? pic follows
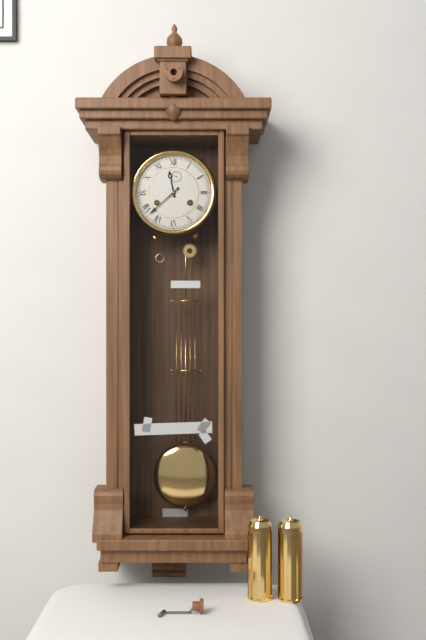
11:38
